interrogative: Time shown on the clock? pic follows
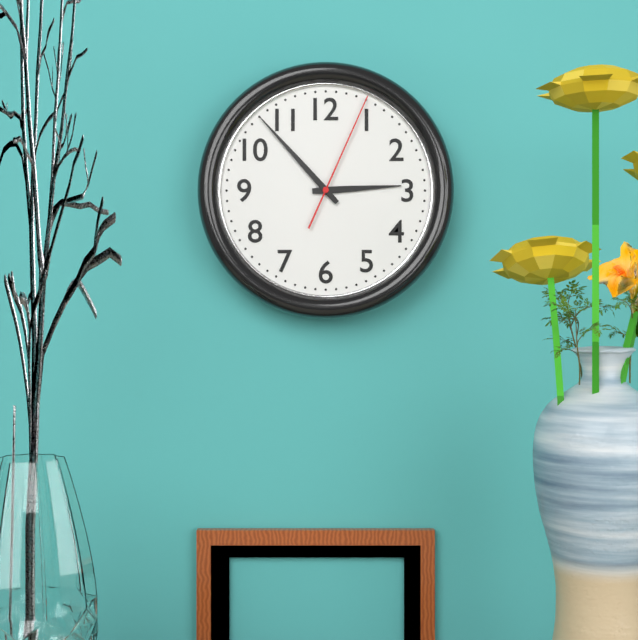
2:53:04
